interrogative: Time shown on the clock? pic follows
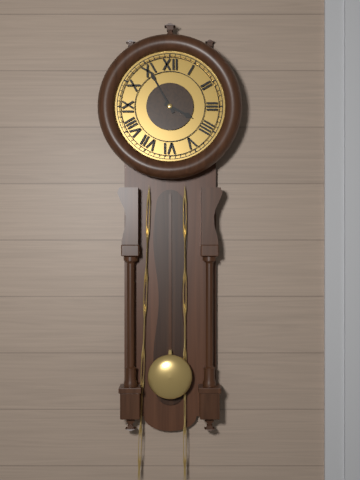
3:55
